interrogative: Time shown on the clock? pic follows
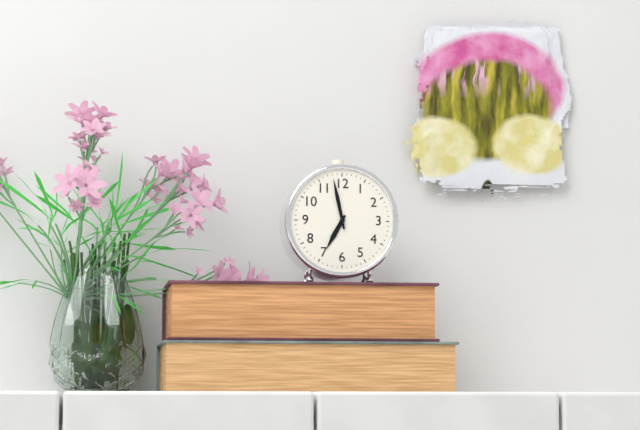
6:58
